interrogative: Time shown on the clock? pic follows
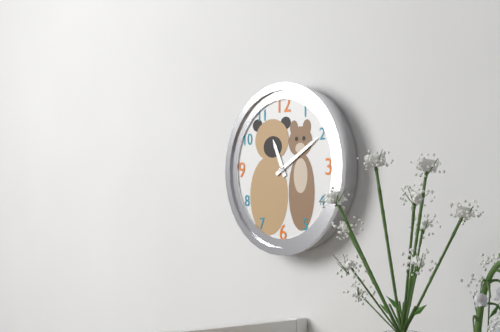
11:10
